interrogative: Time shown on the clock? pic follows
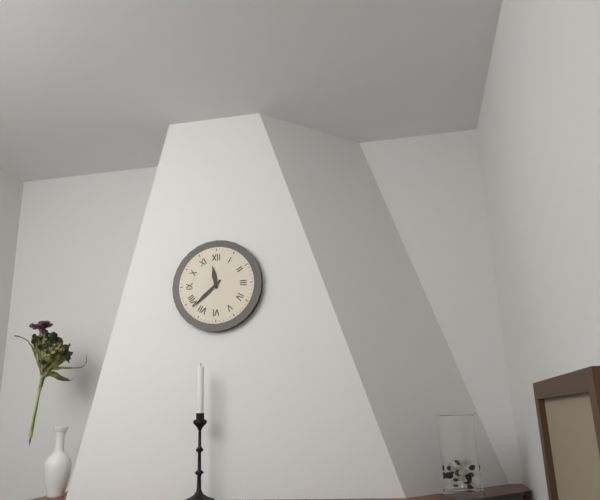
11:38
